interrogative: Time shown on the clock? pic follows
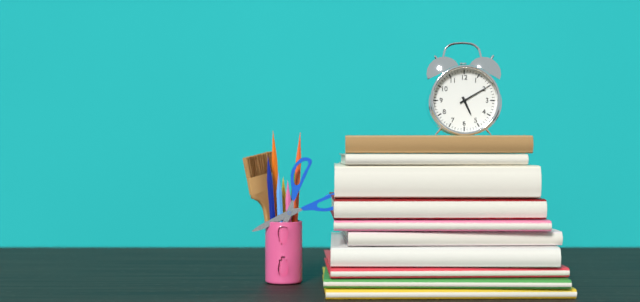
5:10
